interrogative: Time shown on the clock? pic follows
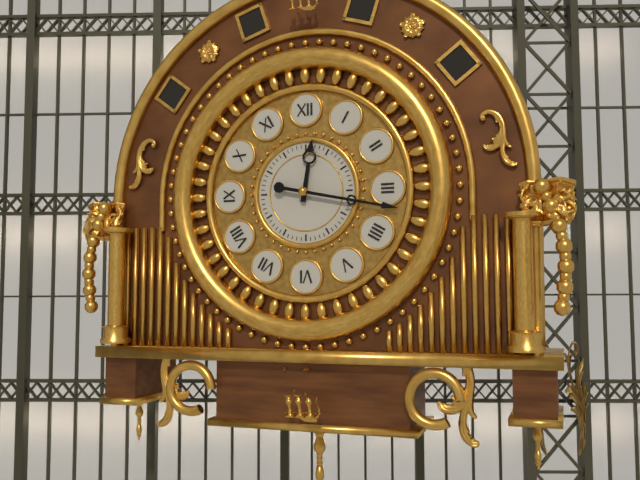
12:17
